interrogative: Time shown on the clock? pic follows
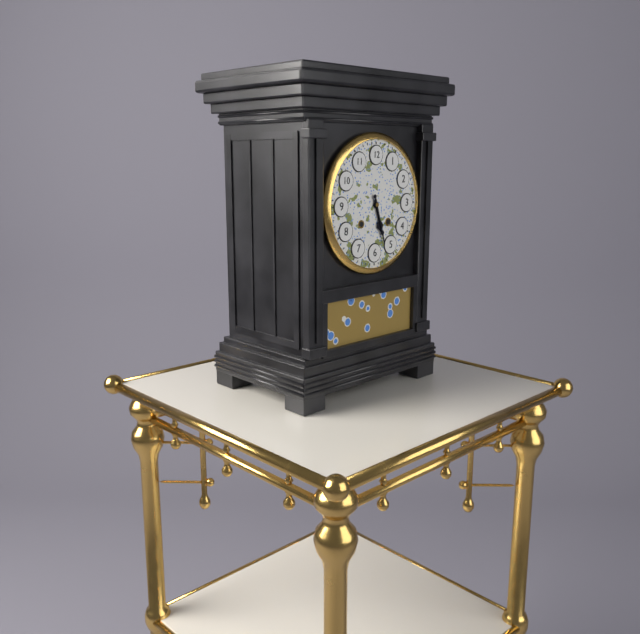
5:27
